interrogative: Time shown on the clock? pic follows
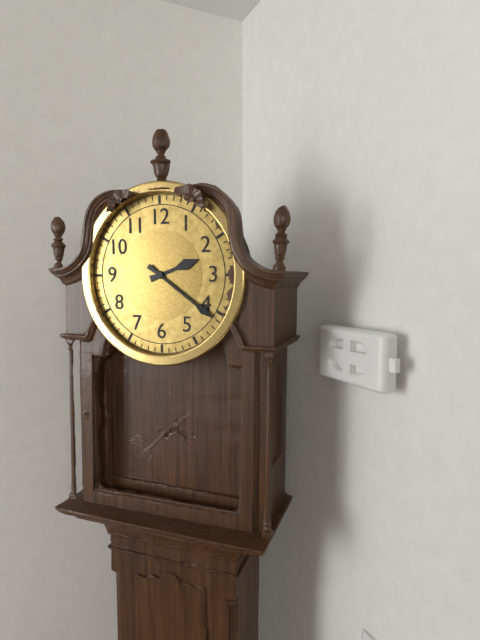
2:21
